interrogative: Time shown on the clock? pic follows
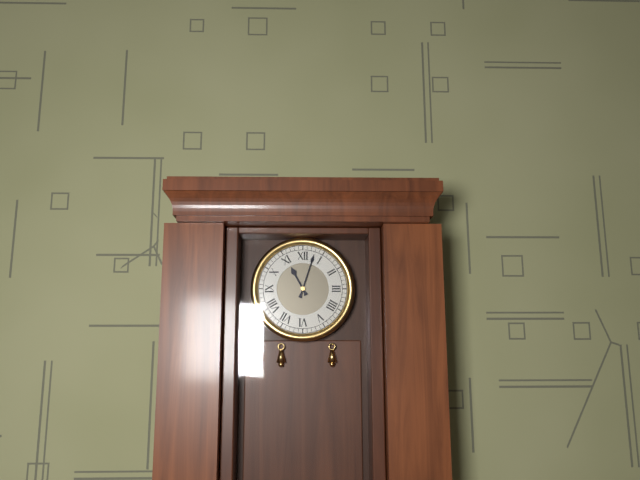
11:03
